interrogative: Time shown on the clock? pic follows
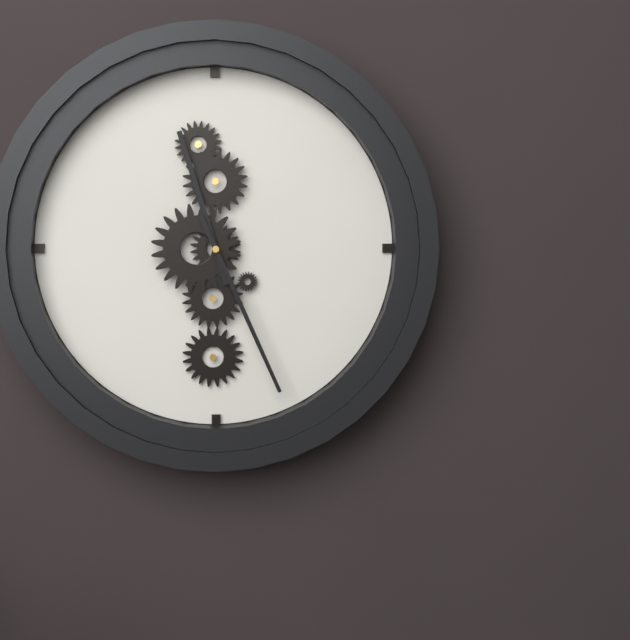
11:26
